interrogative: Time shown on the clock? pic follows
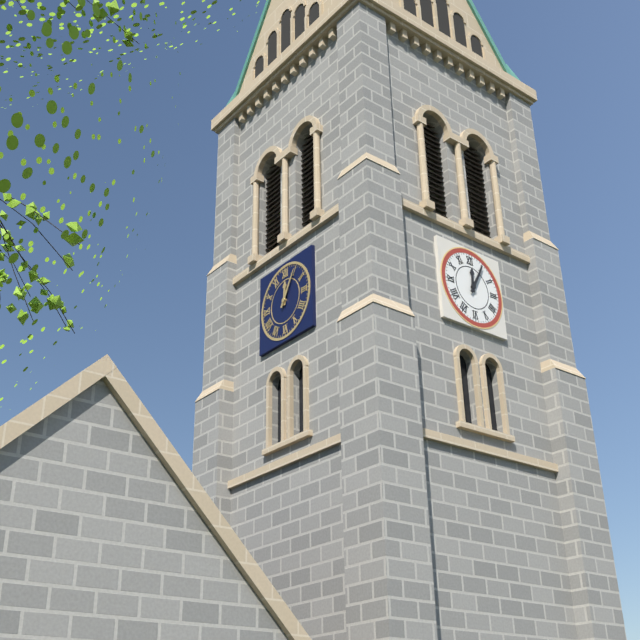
12:05
